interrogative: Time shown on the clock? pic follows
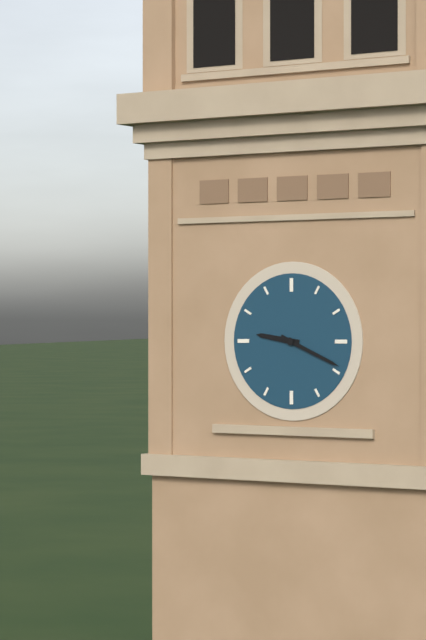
9:19
